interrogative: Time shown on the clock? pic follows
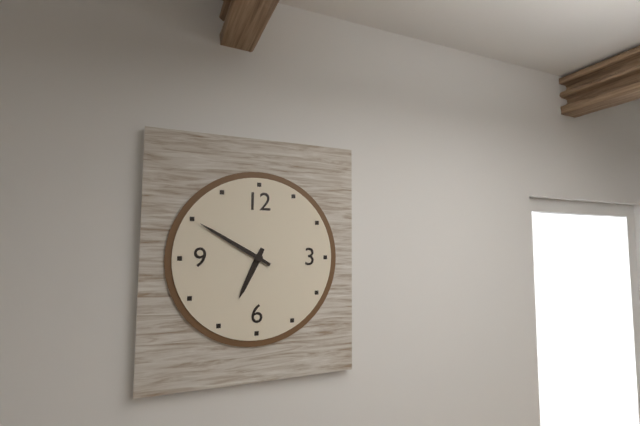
6:50
